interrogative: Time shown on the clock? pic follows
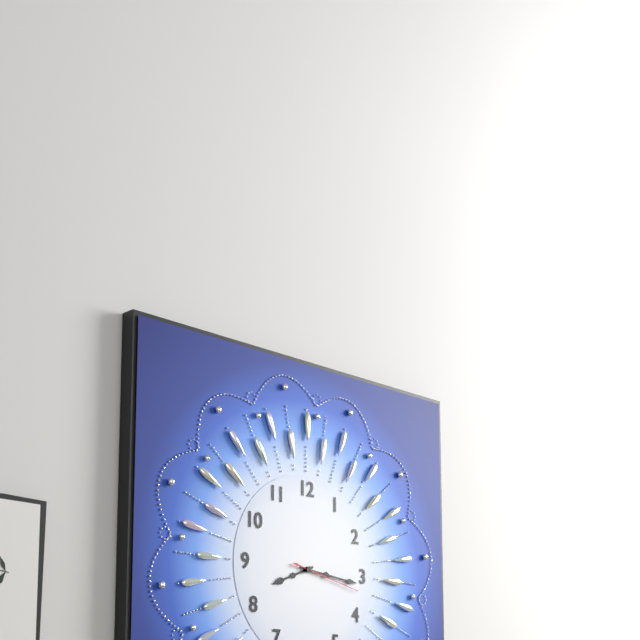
8:16:17
